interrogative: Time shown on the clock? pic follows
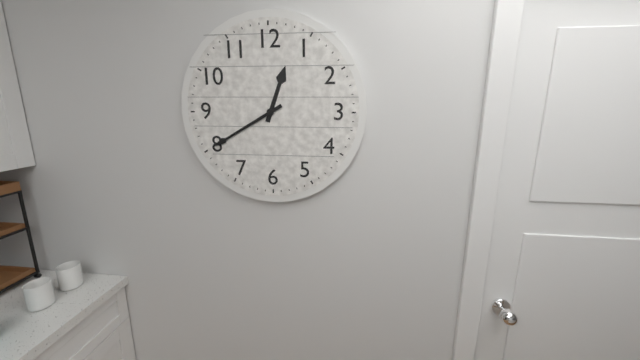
12:40
